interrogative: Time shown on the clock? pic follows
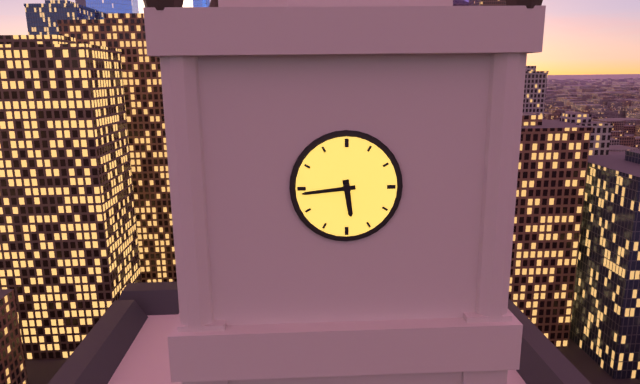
5:44
